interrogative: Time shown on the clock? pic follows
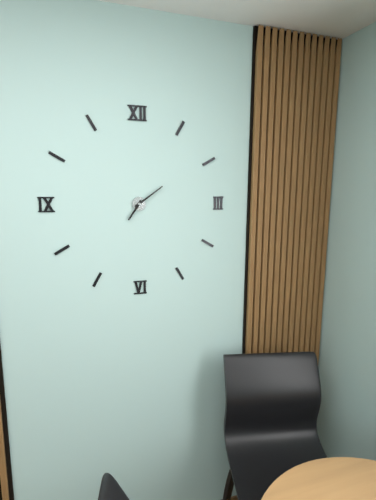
7:09
